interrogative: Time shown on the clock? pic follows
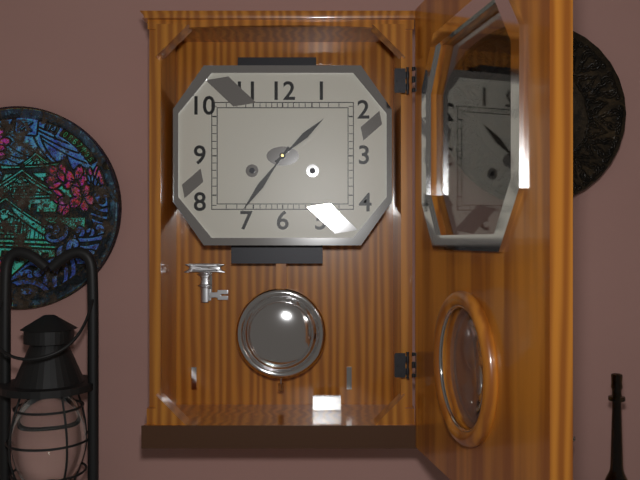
1:36
